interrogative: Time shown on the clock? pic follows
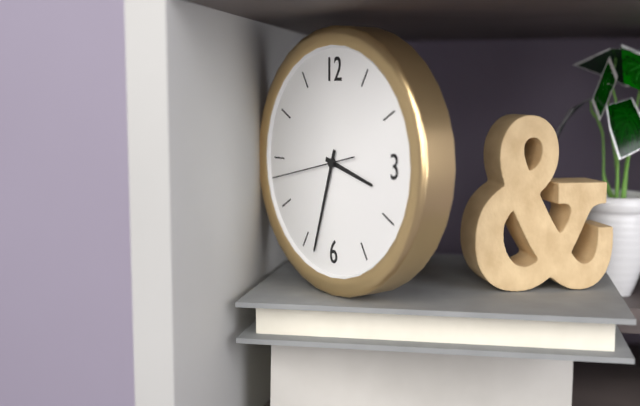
3:33:43
